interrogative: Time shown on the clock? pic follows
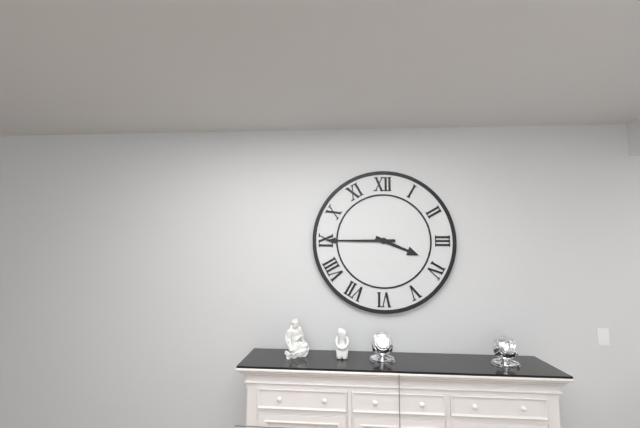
3:45
